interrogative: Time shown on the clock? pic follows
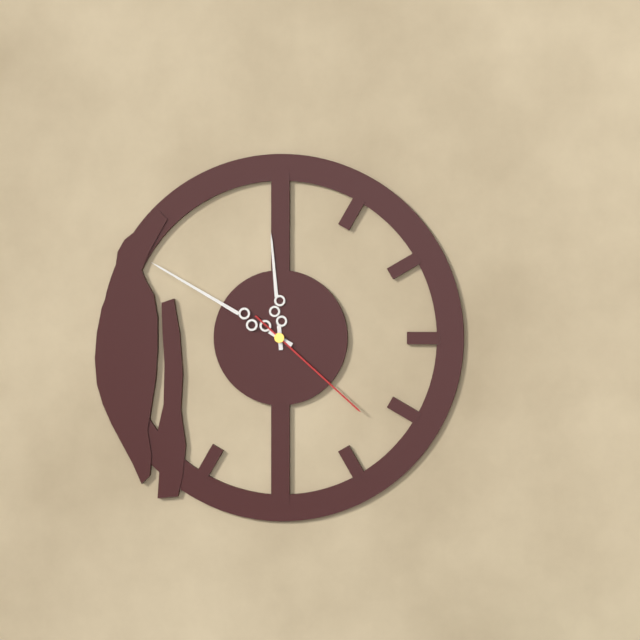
11:50:22
